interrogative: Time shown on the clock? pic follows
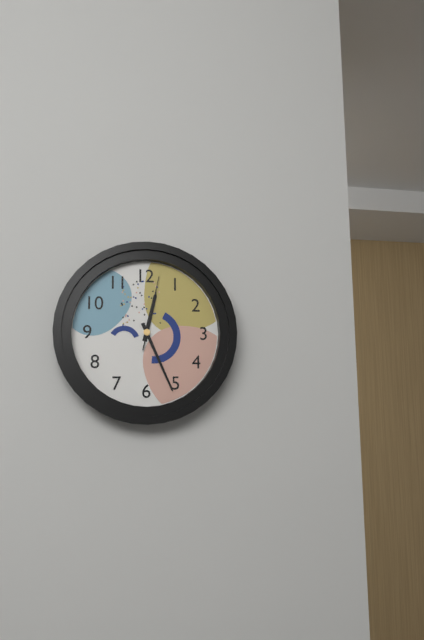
12:26:02
